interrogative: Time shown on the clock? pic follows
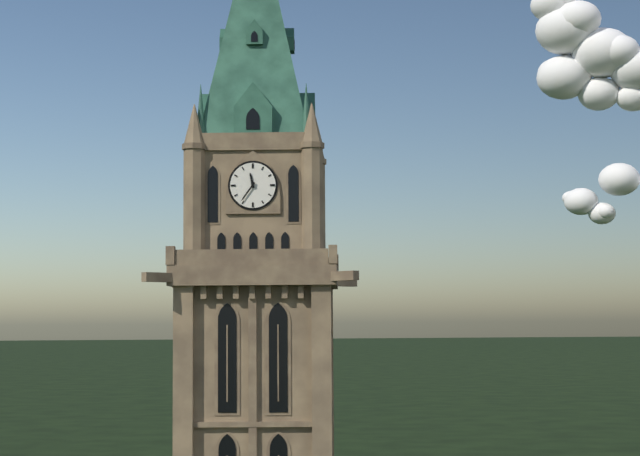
11:36
